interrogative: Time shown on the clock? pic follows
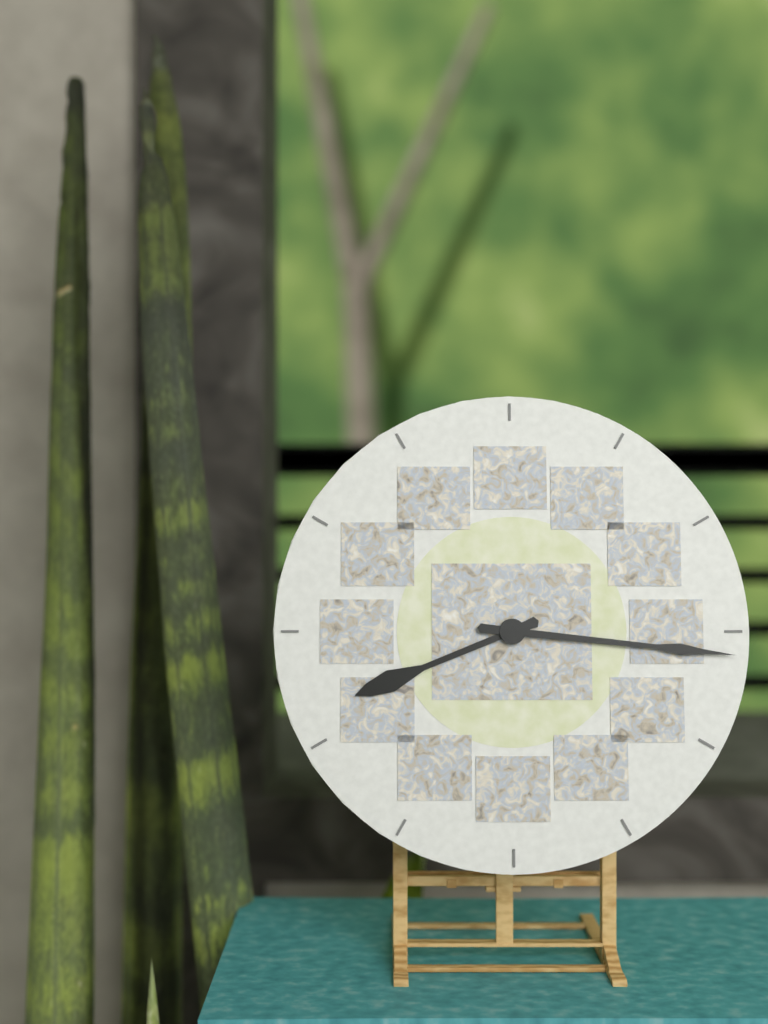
8:16
